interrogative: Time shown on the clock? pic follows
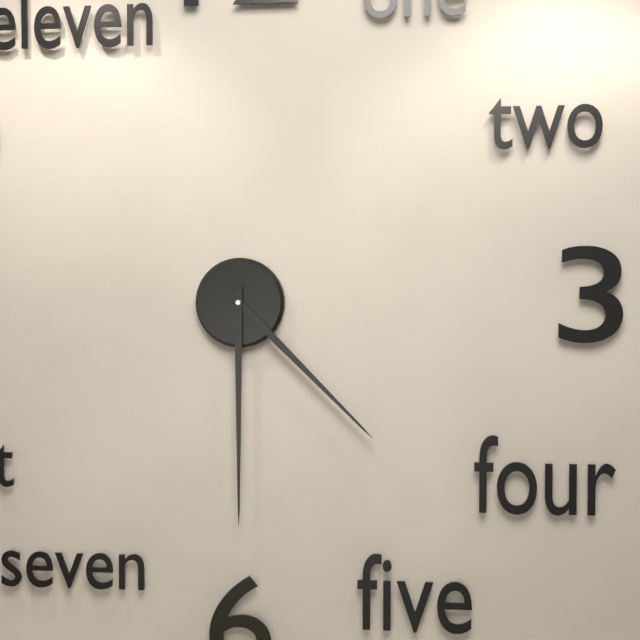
4:30
